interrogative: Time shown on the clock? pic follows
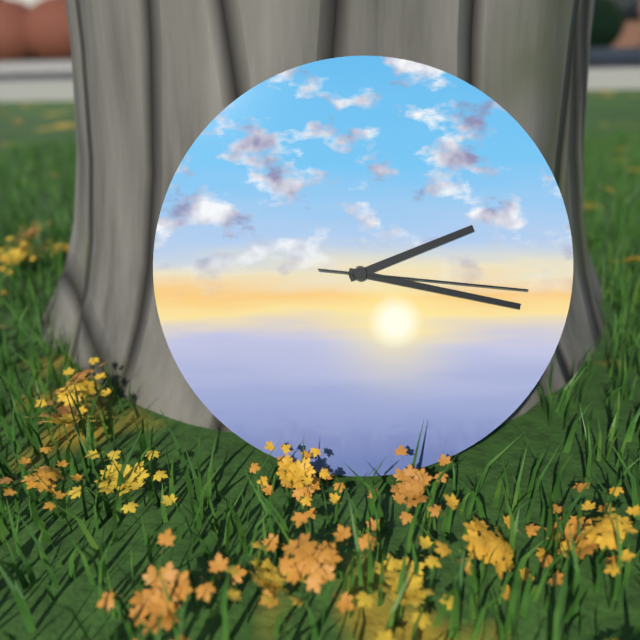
2:17:16
